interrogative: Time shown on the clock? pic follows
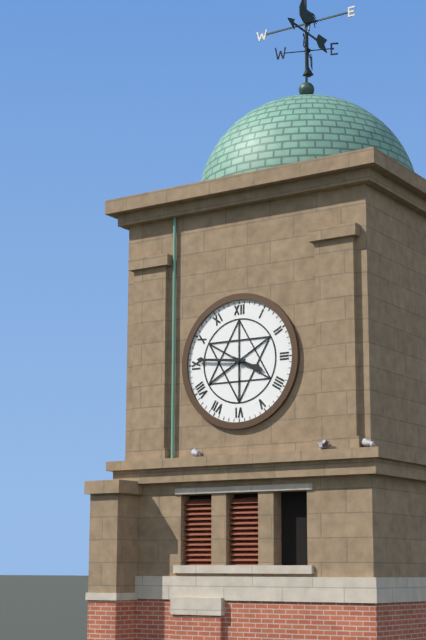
3:46
